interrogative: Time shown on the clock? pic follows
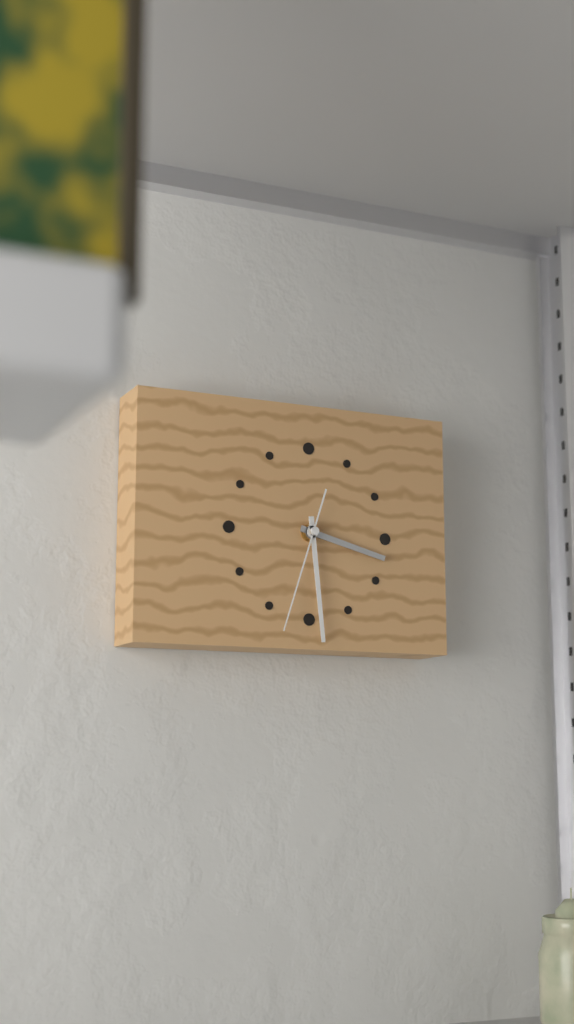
3:29:33
